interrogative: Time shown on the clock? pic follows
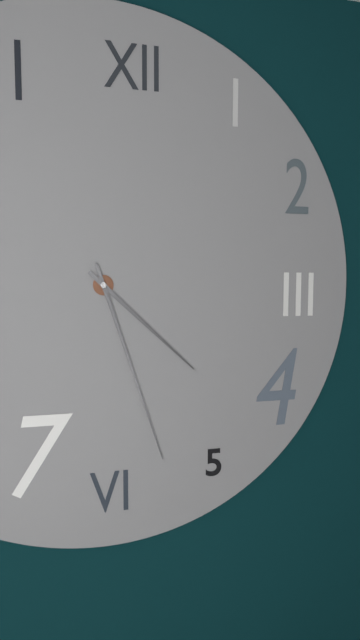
4:27
